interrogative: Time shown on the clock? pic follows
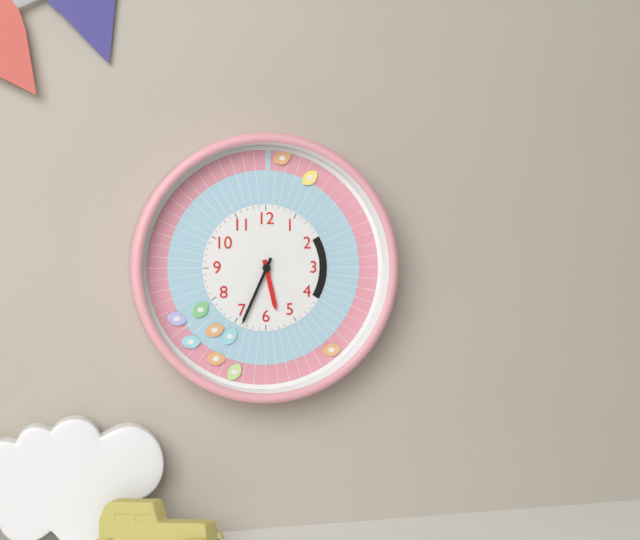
5:34
